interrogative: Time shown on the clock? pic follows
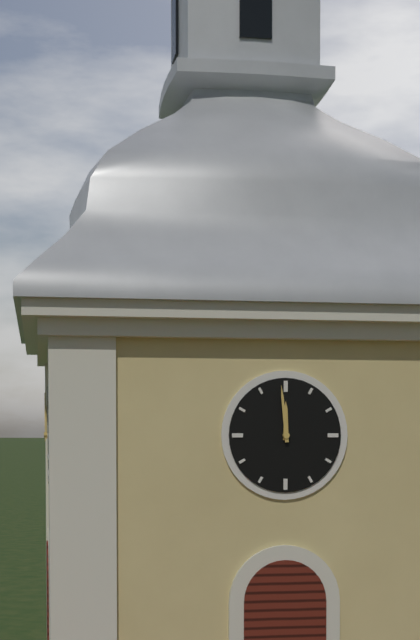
11:59
